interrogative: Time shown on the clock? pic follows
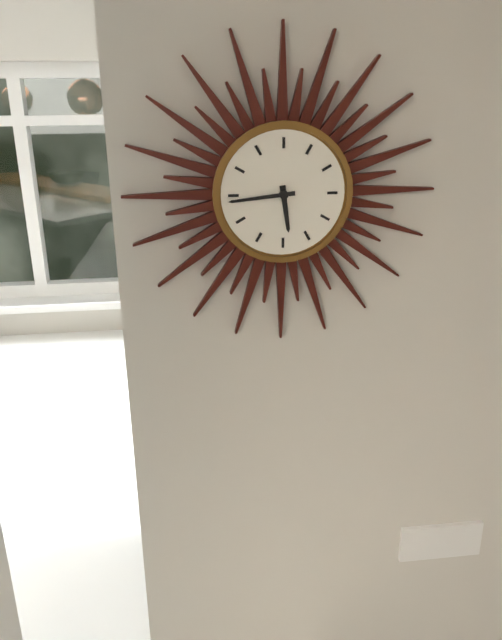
5:44
